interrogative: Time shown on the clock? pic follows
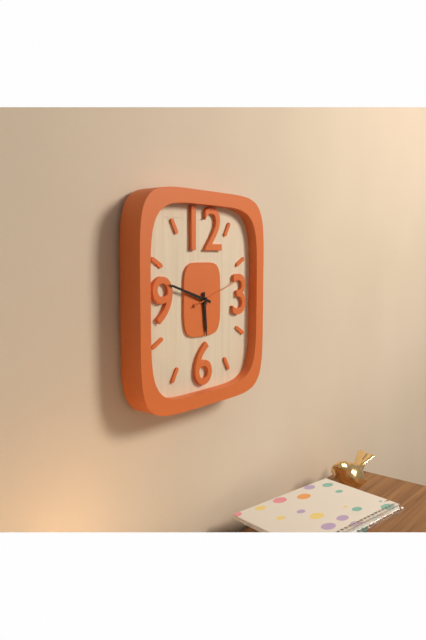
5:48:12
